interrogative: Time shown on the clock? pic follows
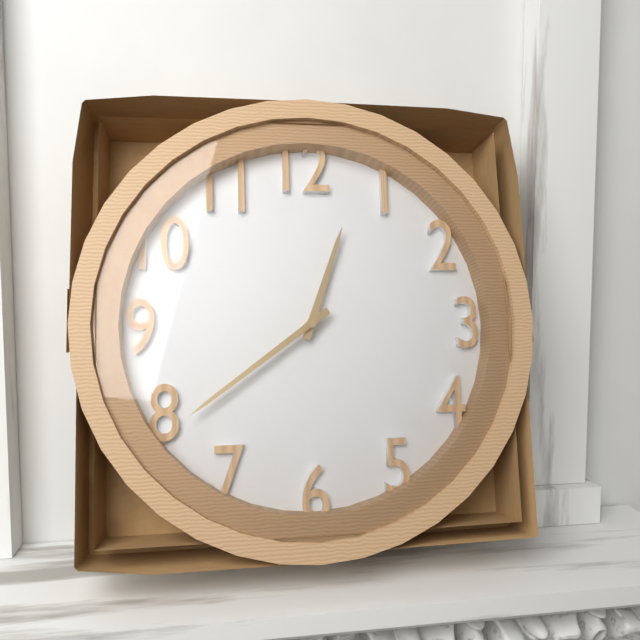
12:39
